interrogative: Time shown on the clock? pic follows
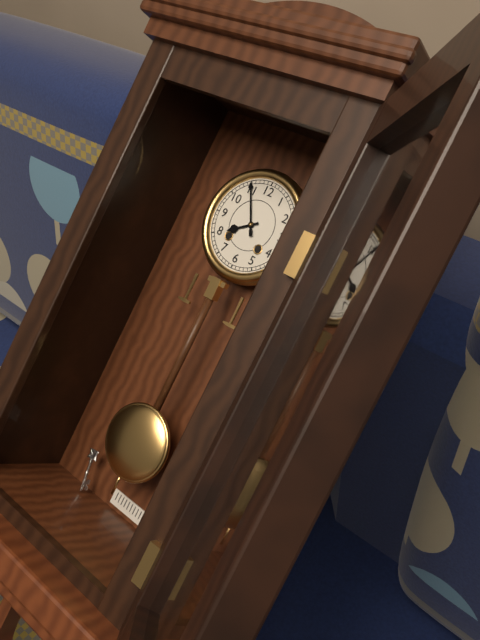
7:55
